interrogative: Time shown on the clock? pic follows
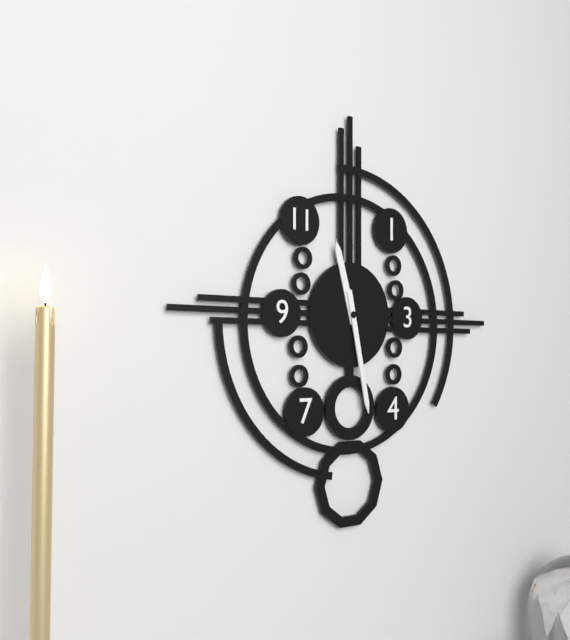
11:28
